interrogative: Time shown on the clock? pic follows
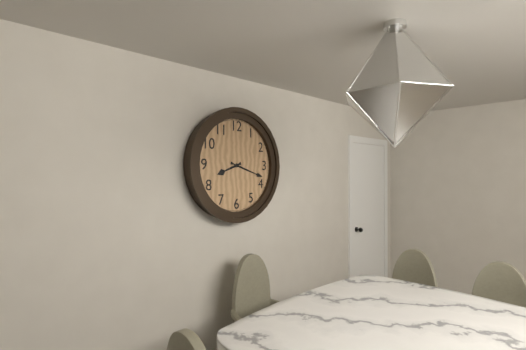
8:18
